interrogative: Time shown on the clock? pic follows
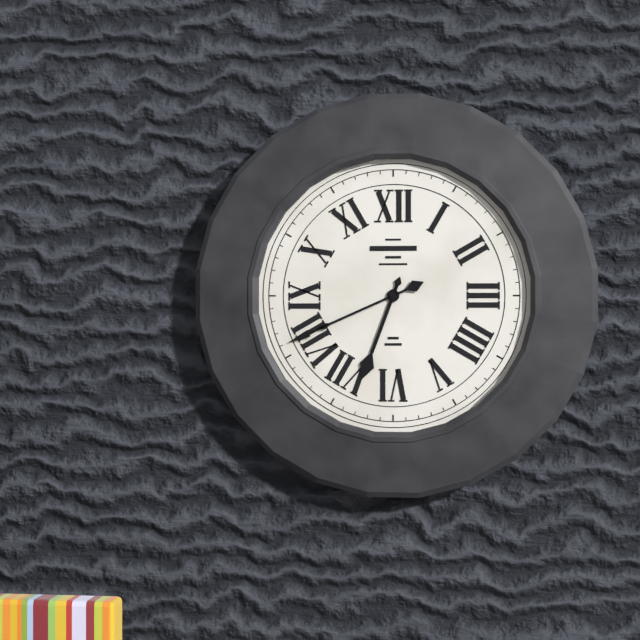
6:41
